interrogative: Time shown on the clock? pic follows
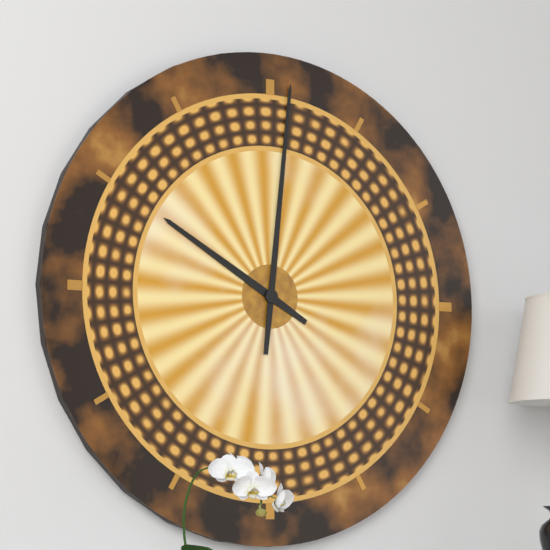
10:01
